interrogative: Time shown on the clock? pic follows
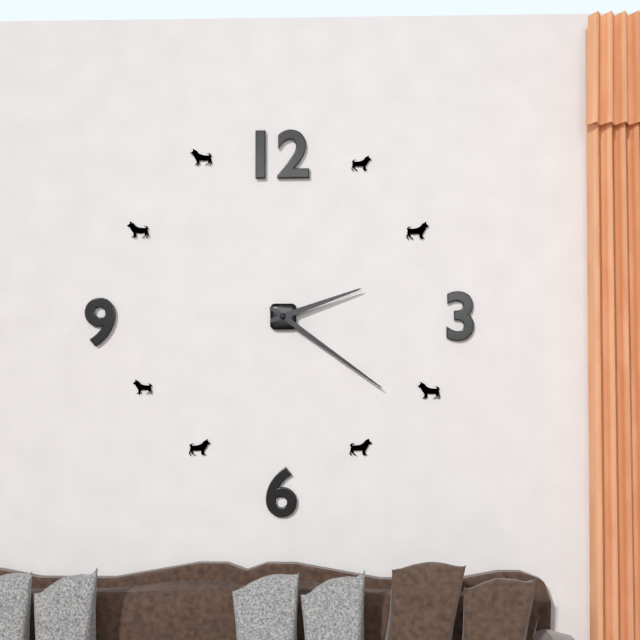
2:21
